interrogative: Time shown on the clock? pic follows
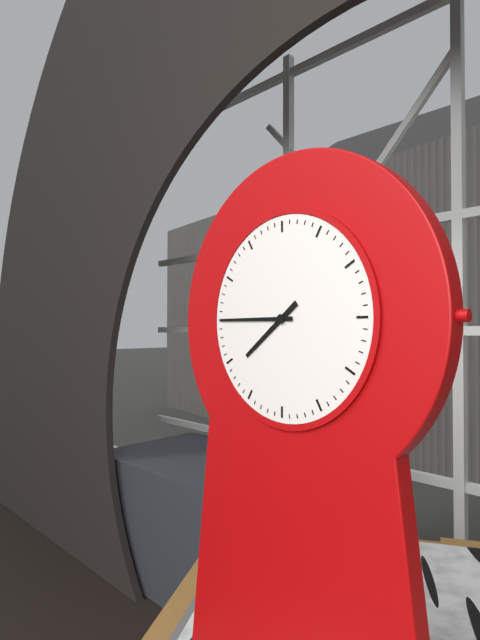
7:45
